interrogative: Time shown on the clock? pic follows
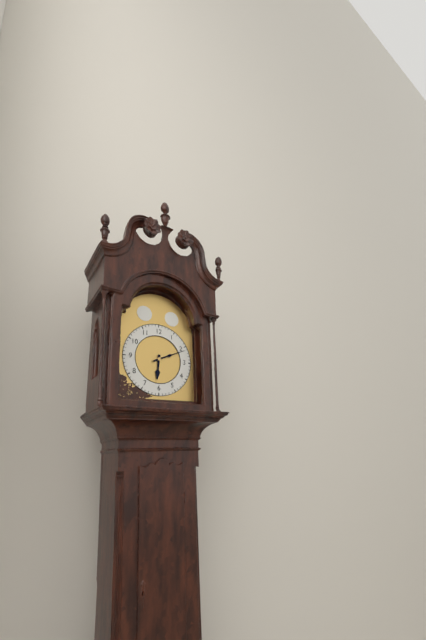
6:11
